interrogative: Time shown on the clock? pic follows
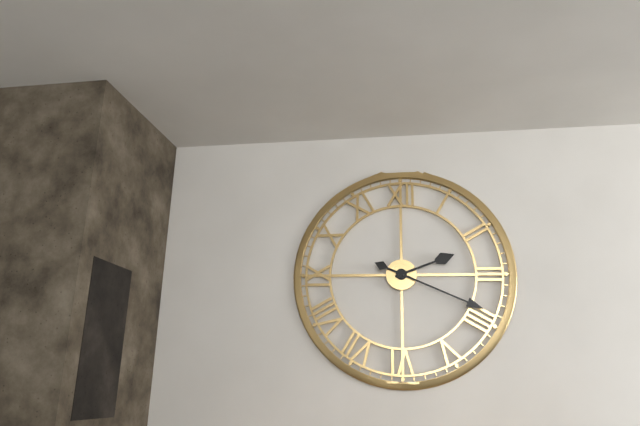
2:19
